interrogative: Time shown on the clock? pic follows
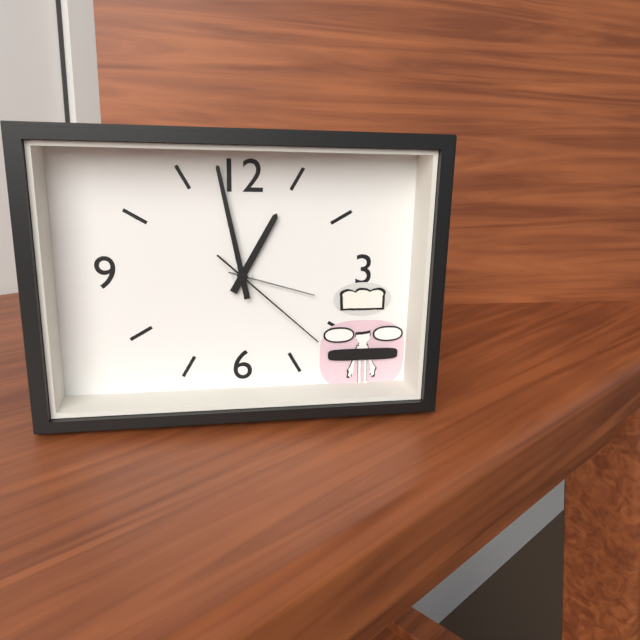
12:58:22
